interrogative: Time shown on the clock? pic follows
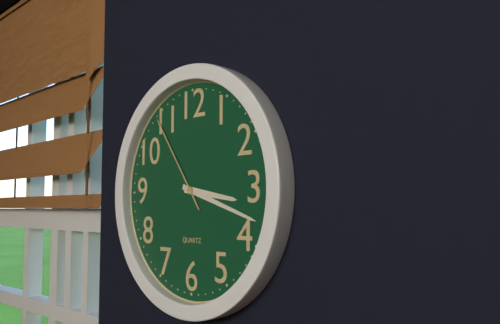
3:18:54
